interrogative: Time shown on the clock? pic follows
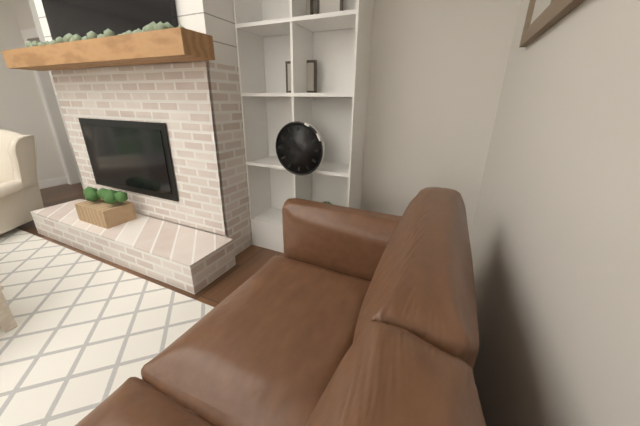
10:48
